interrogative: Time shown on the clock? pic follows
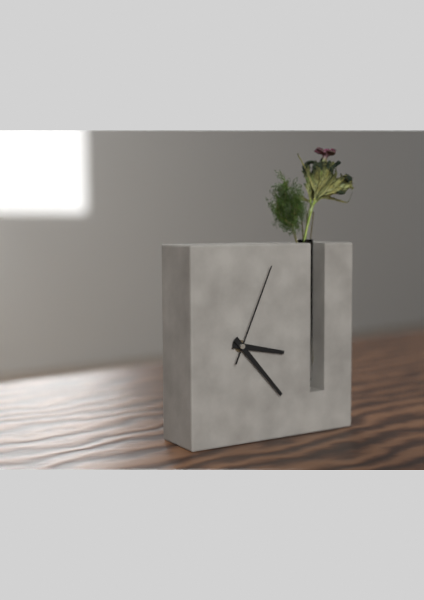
3:23:04
